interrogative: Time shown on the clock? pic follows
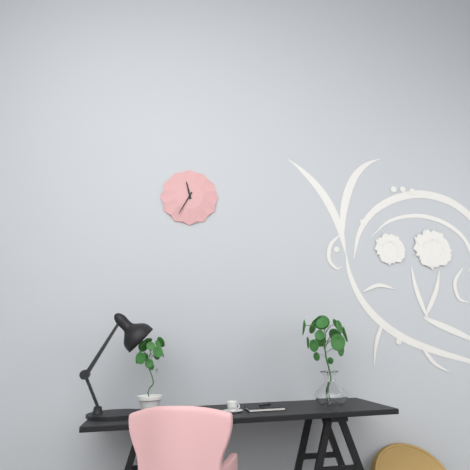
11:35
